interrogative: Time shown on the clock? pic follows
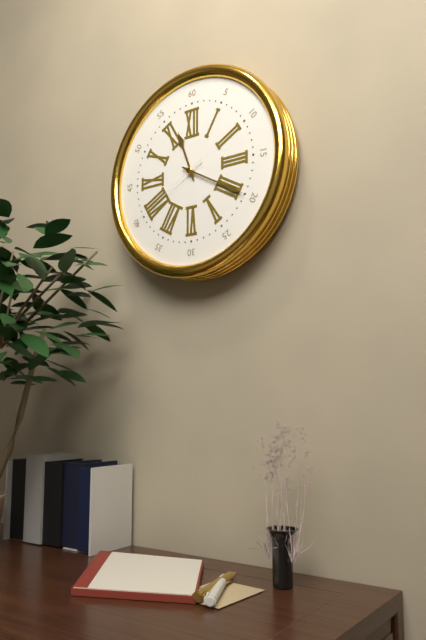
11:20:40
